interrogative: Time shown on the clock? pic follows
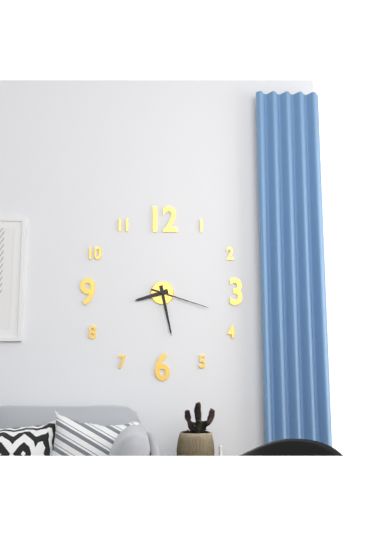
8:28:18
